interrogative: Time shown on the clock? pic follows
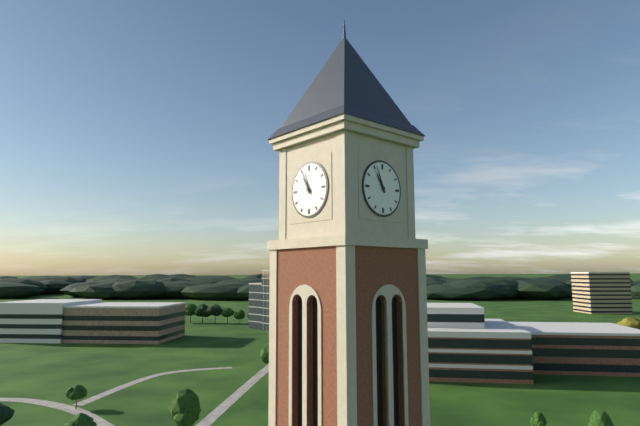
10:56
